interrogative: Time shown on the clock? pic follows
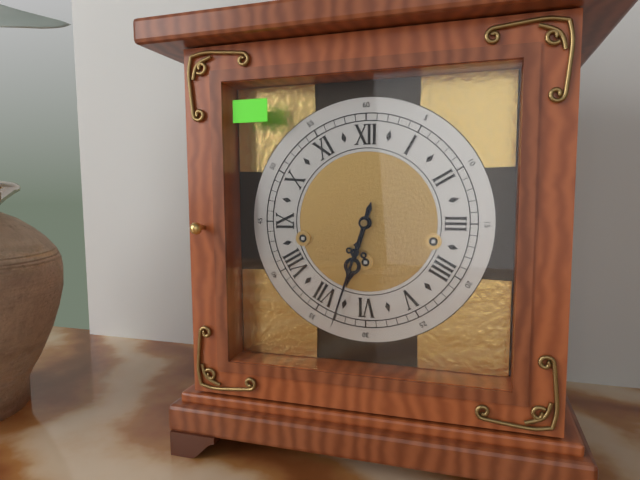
6:33
